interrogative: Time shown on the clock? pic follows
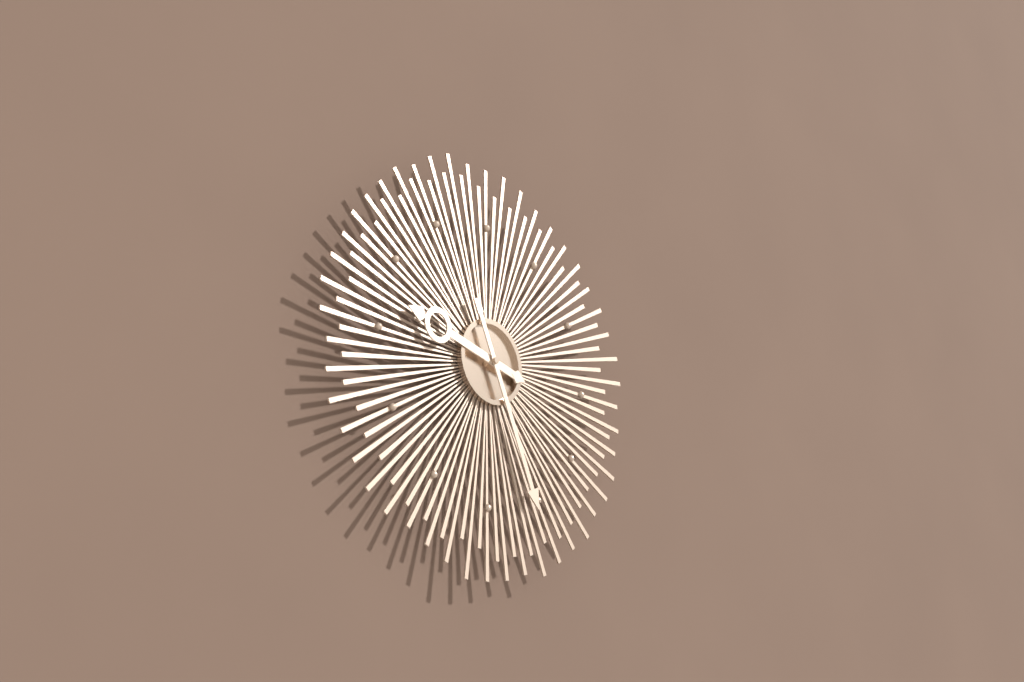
9:26
